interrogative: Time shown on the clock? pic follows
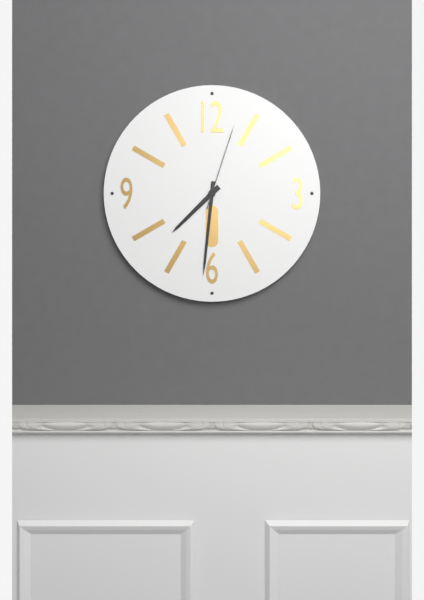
7:31:03
